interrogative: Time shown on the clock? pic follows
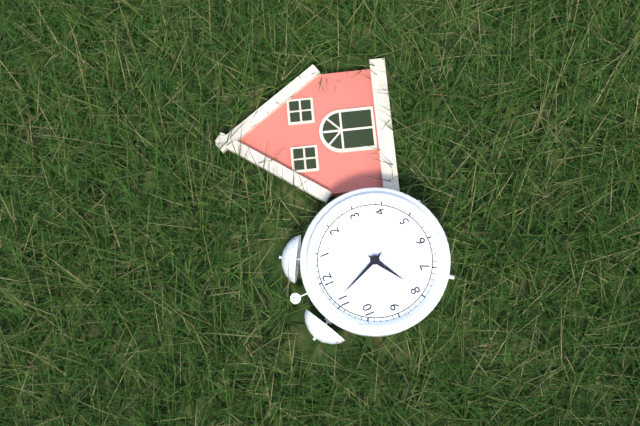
7:56
